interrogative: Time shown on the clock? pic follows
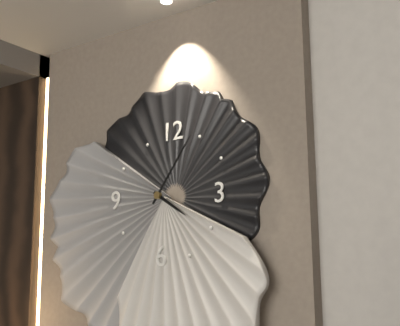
4:06
